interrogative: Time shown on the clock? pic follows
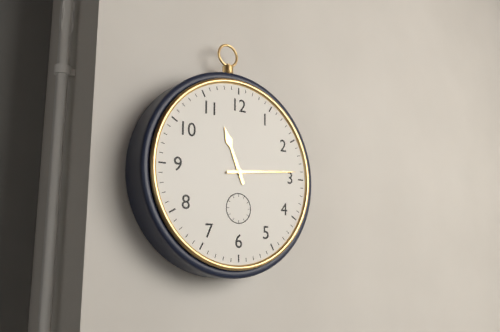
11:14
